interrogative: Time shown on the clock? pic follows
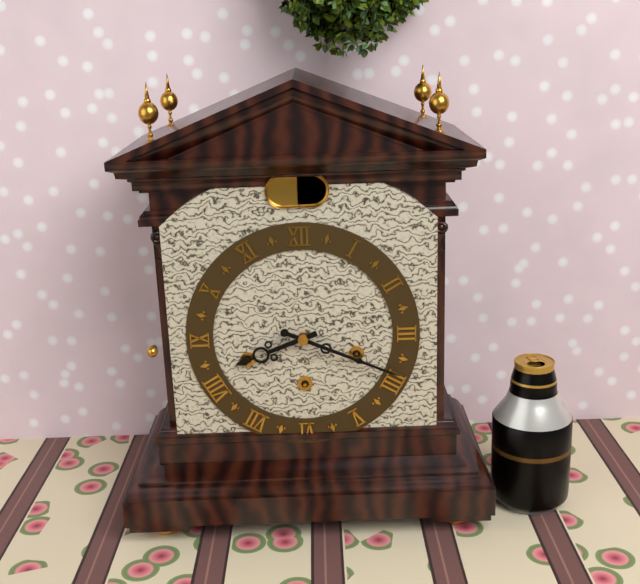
8:19
